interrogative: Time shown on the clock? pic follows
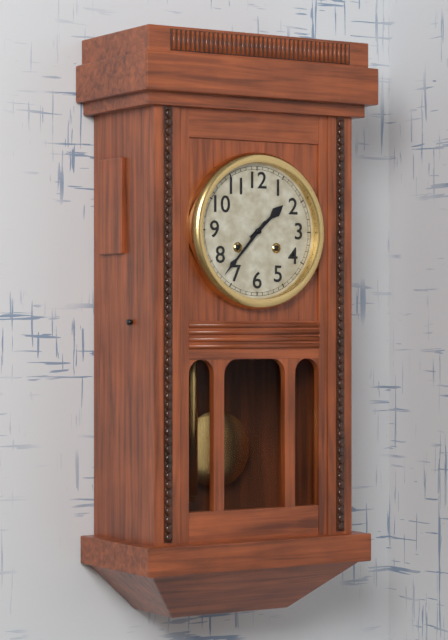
1:37
